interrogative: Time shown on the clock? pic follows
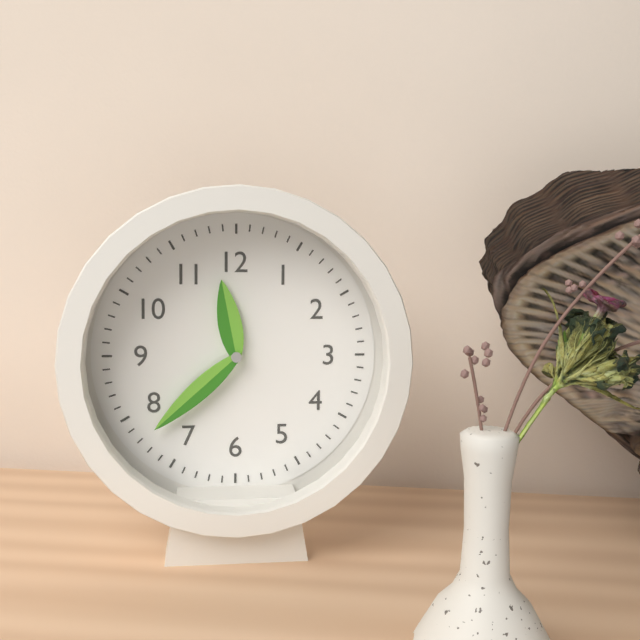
11:38
